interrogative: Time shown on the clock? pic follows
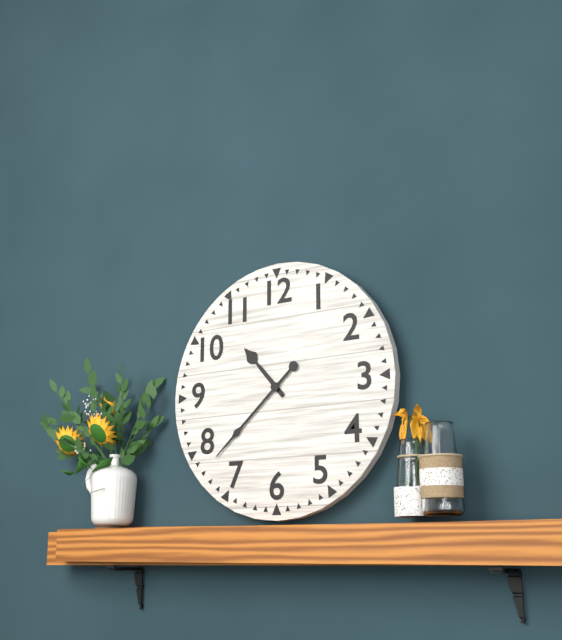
10:38
